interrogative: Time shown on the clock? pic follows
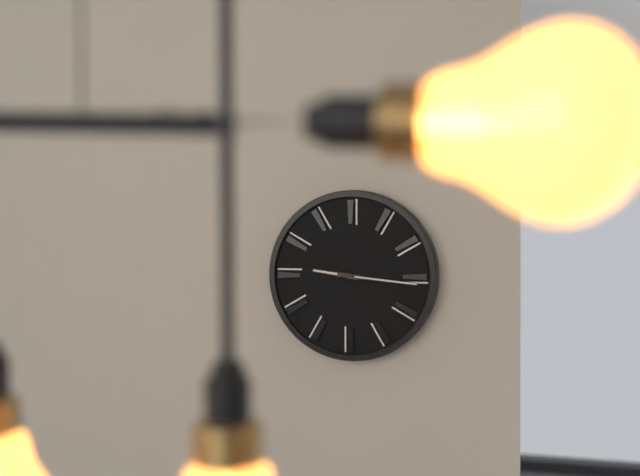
9:16
